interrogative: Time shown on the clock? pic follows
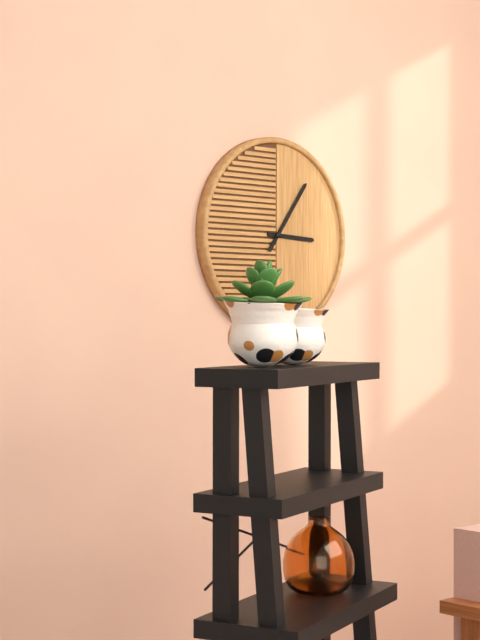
3:06
